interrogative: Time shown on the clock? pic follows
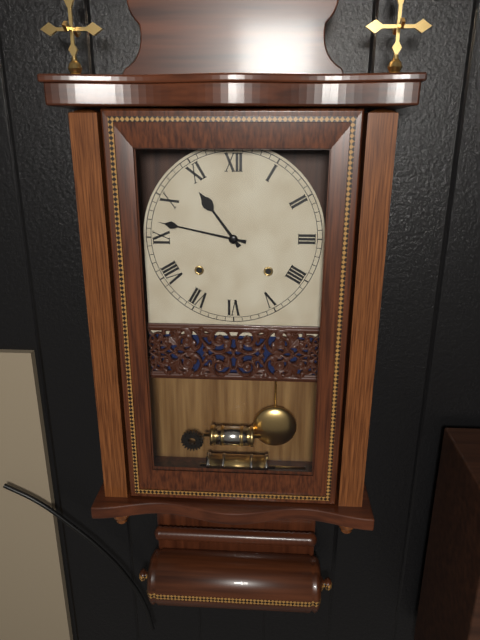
10:47
